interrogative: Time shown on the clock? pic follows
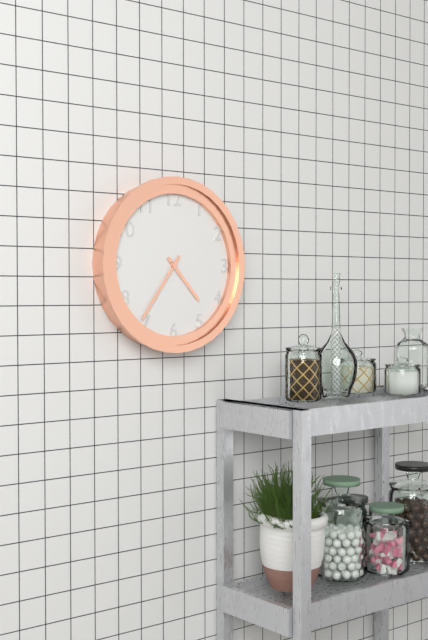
4:36
